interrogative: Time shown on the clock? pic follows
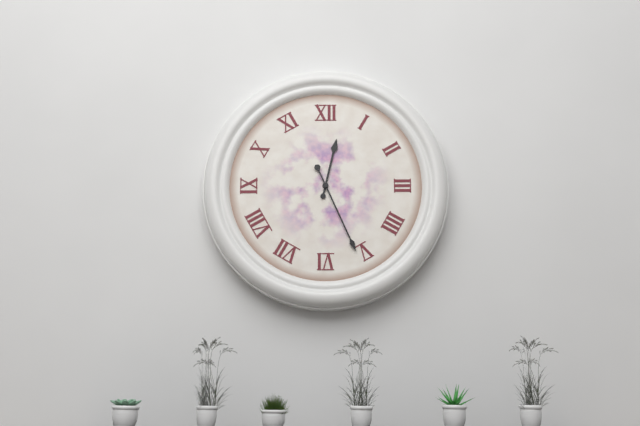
12:26
